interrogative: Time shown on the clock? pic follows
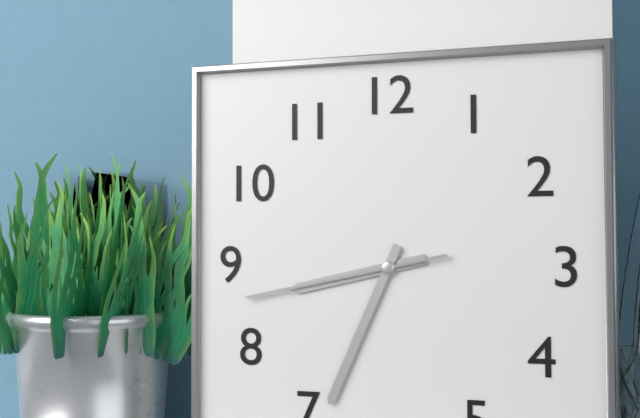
8:34:43
